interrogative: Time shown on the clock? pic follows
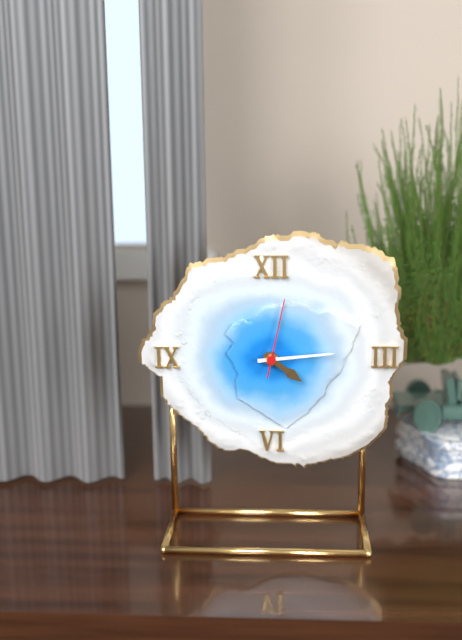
4:14:02
